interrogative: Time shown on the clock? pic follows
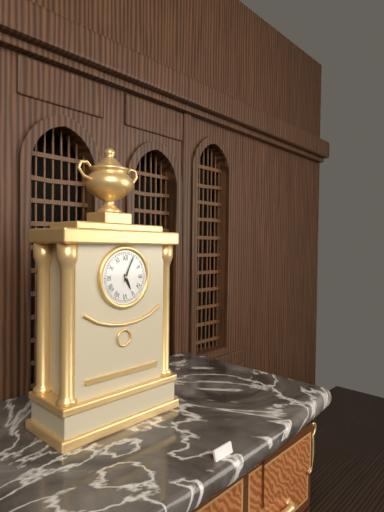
5:04
